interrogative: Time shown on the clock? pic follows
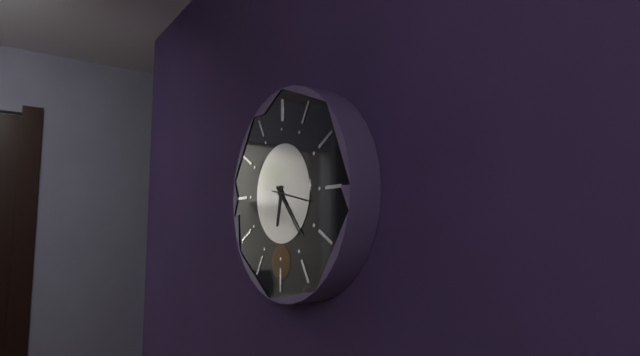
6:23
